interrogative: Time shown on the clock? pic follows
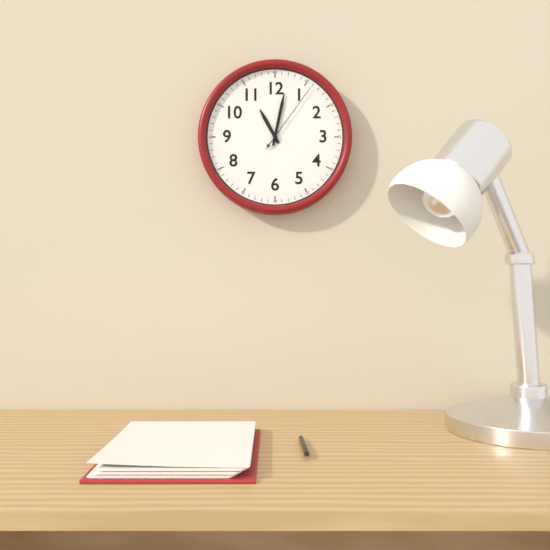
11:02:06
